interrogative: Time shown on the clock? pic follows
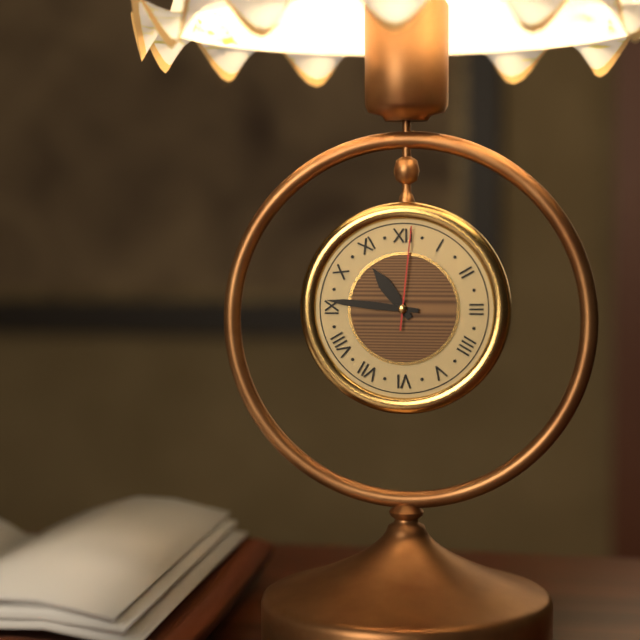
10:46:01
